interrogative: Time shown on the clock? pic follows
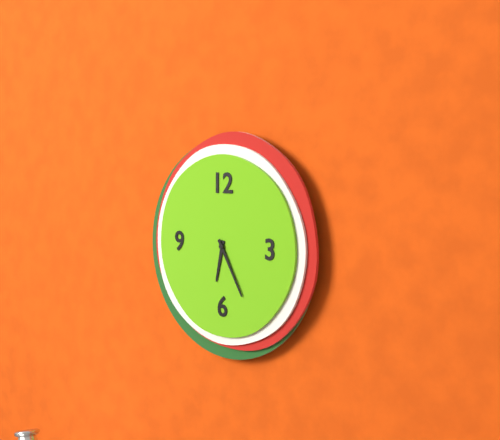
6:25
